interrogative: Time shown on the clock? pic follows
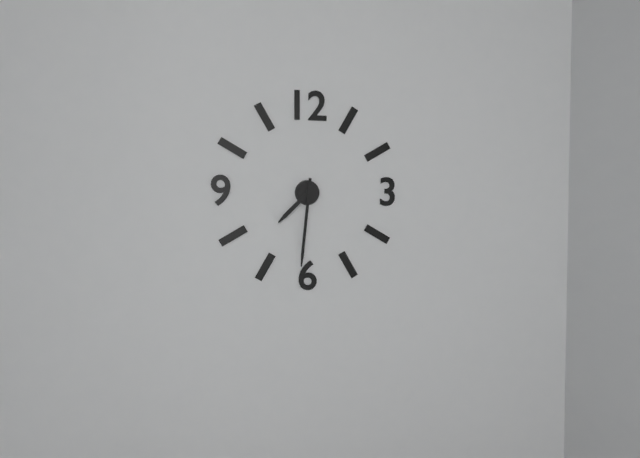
7:31
